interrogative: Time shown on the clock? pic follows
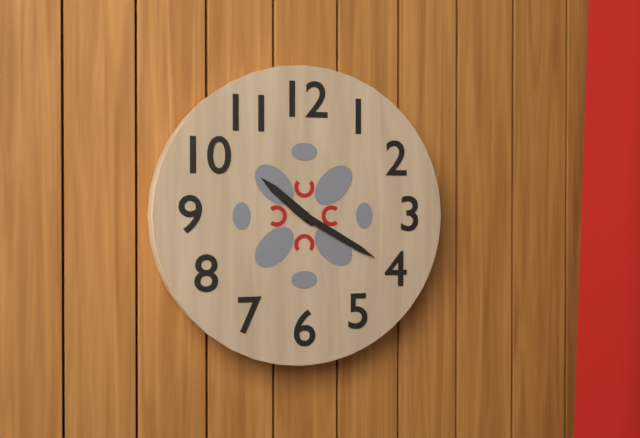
10:20
